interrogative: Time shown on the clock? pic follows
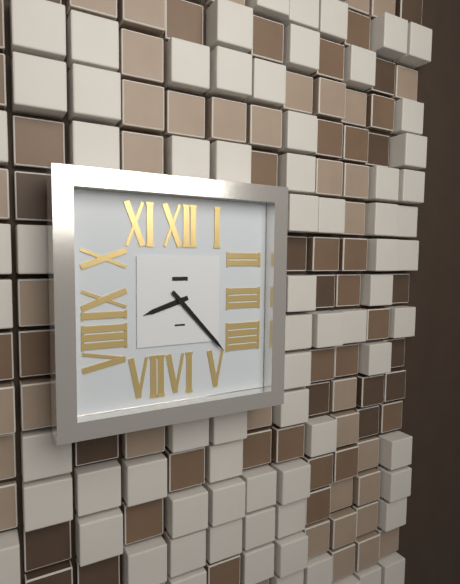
8:23
